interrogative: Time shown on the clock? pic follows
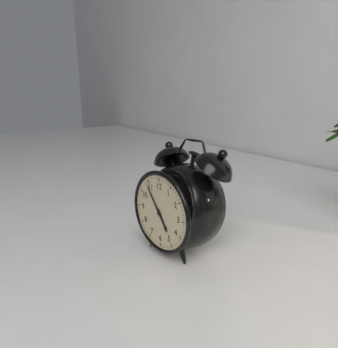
4:54
